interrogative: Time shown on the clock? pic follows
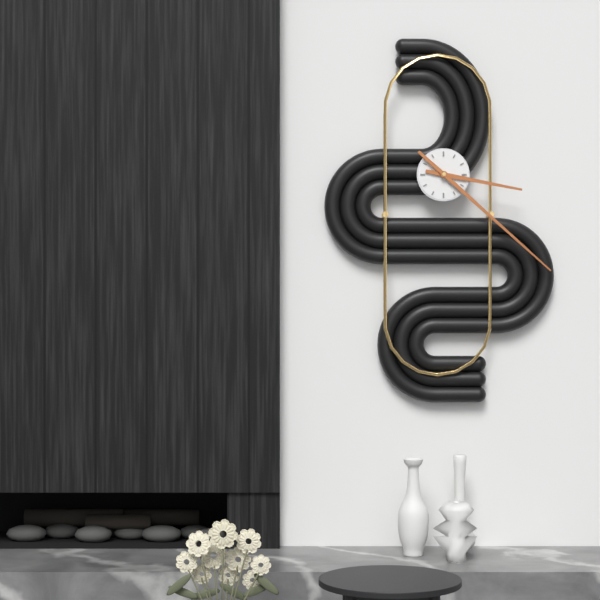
3:22
